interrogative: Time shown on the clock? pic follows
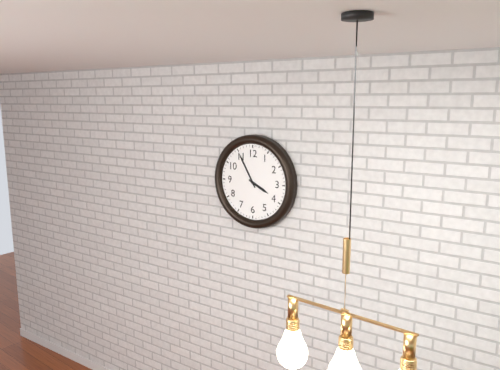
3:55
